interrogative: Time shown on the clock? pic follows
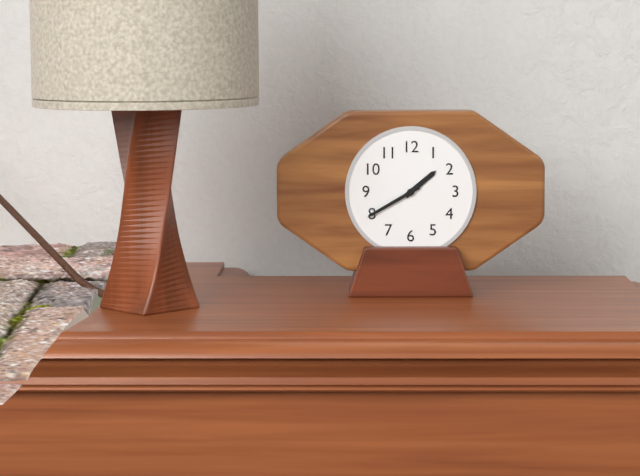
1:40
